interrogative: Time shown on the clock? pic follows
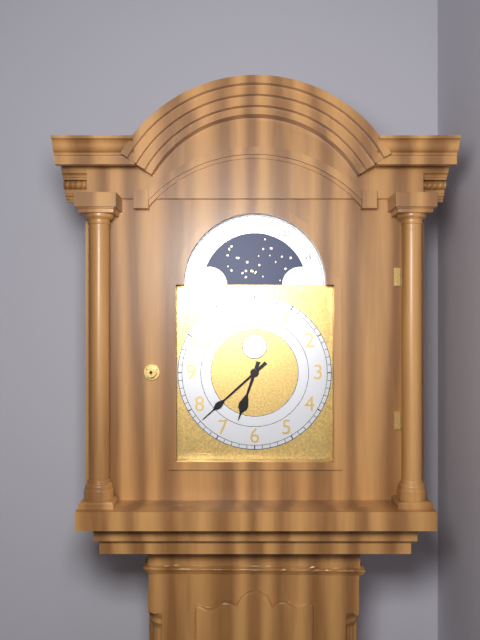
6:38
